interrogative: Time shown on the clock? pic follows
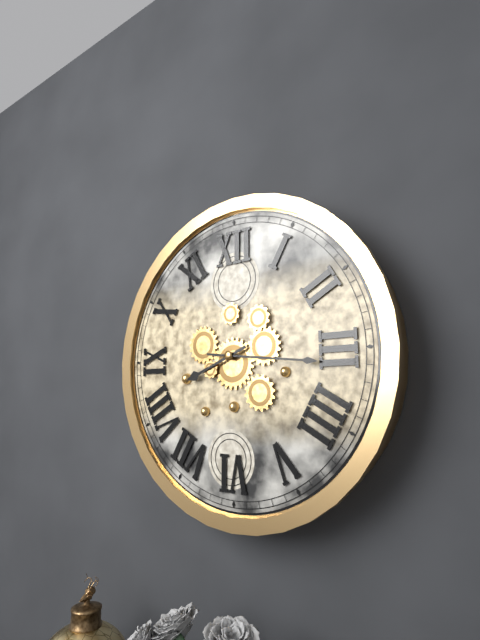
8:16
